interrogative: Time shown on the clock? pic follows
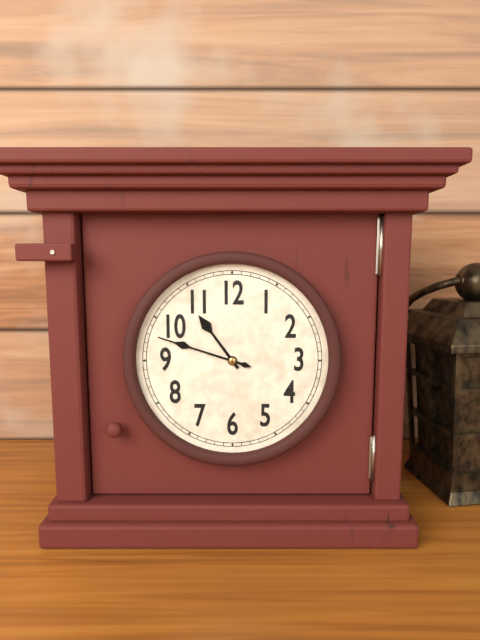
10:48
